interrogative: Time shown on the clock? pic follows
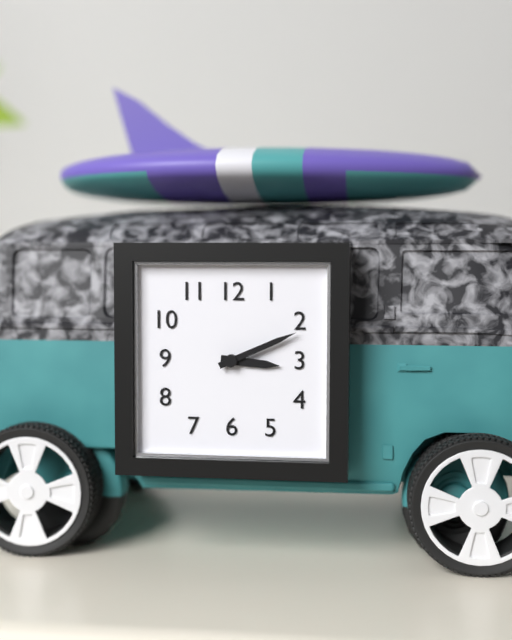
3:11
